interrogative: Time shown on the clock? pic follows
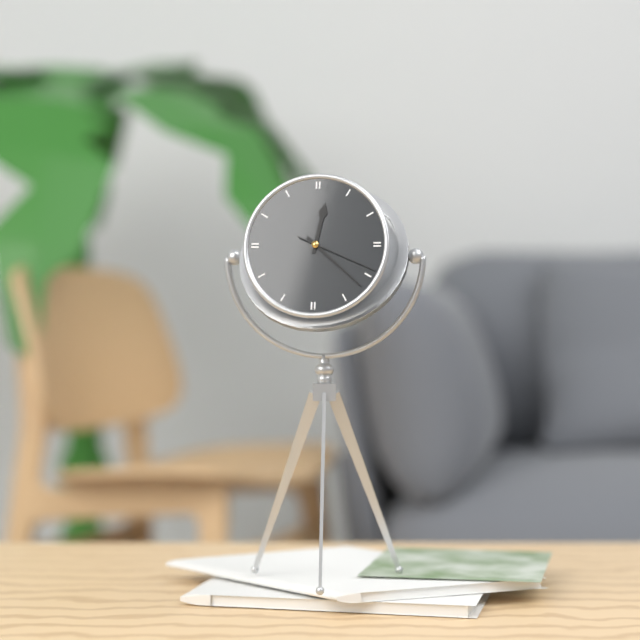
12:22:19
